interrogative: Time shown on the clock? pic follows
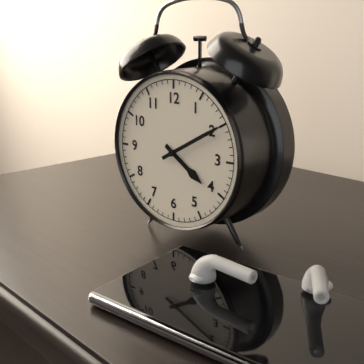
4:10
